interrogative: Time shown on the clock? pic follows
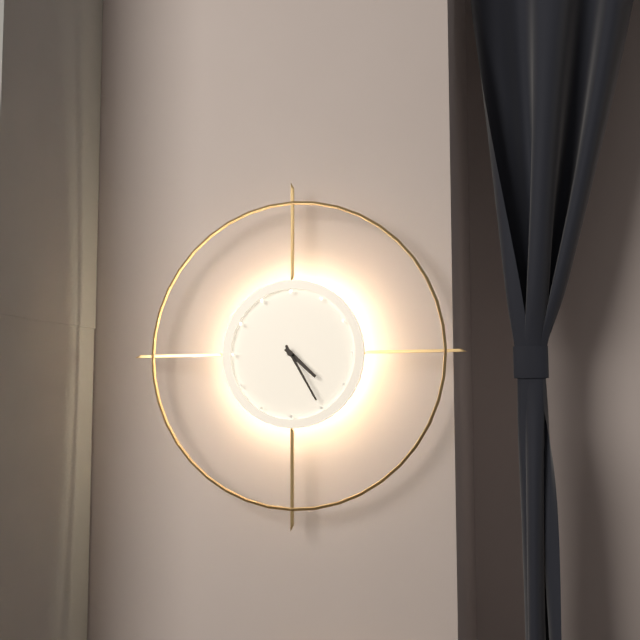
4:25
